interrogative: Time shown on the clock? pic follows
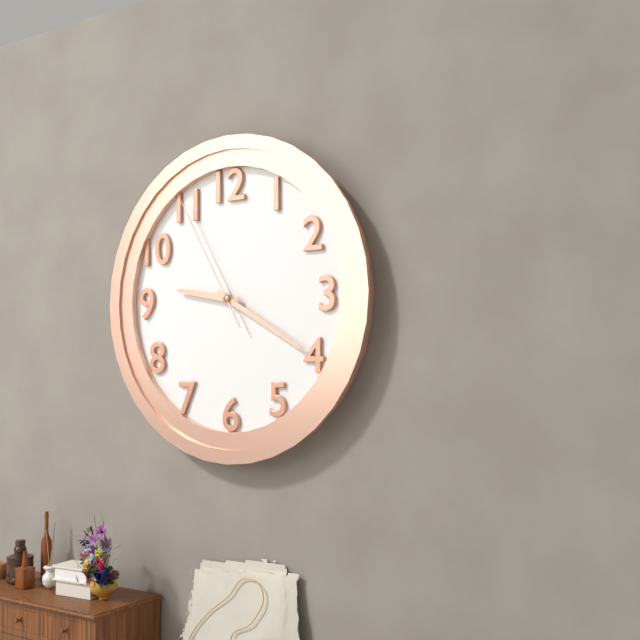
9:20:55
